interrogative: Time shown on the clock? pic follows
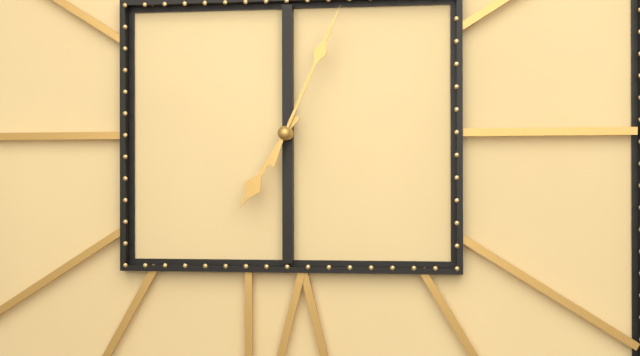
7:04
